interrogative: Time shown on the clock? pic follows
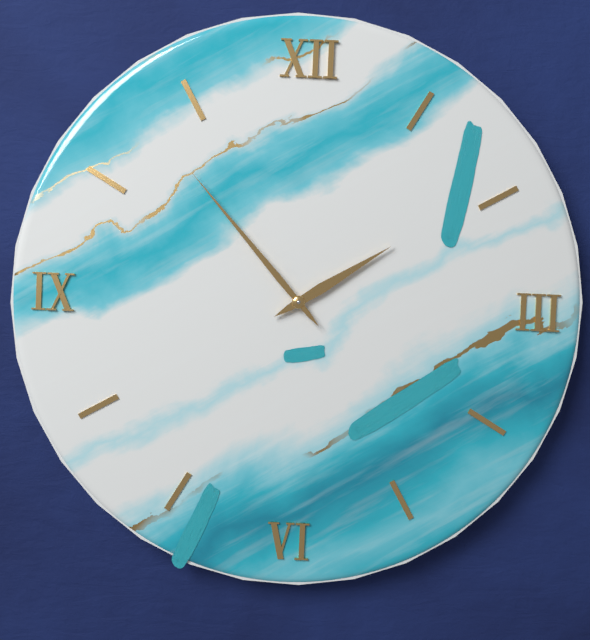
1:53
